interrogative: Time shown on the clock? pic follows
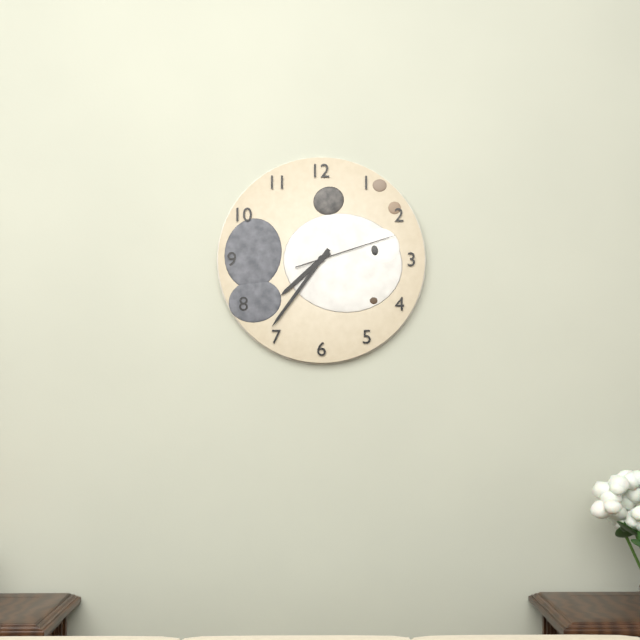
7:36:12
